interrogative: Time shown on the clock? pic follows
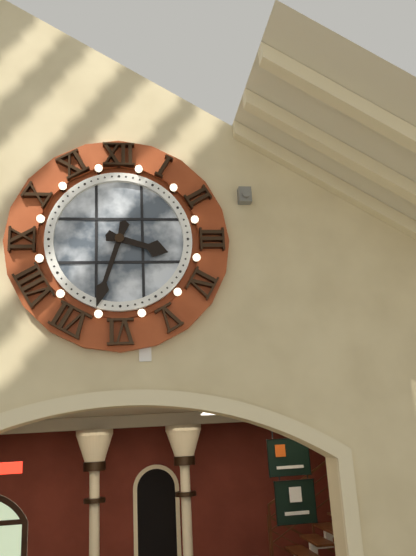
3:33
